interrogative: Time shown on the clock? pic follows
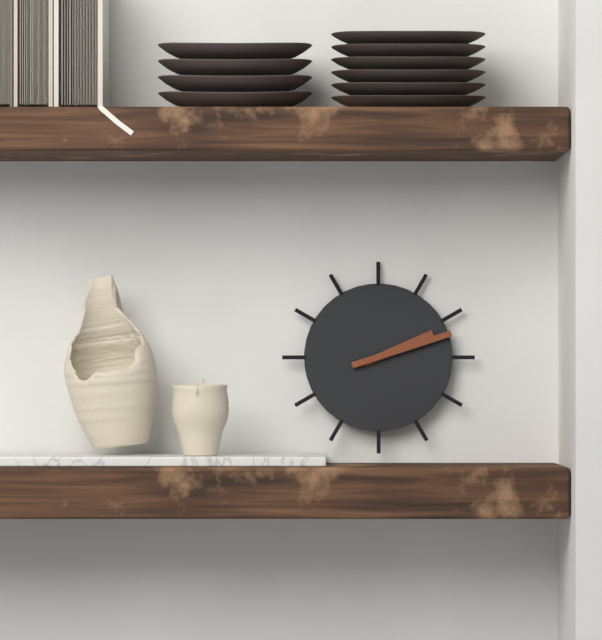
2:12
